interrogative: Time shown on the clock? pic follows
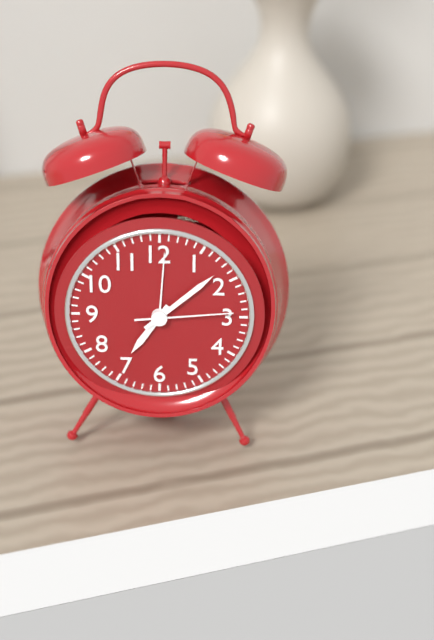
7:08:14
